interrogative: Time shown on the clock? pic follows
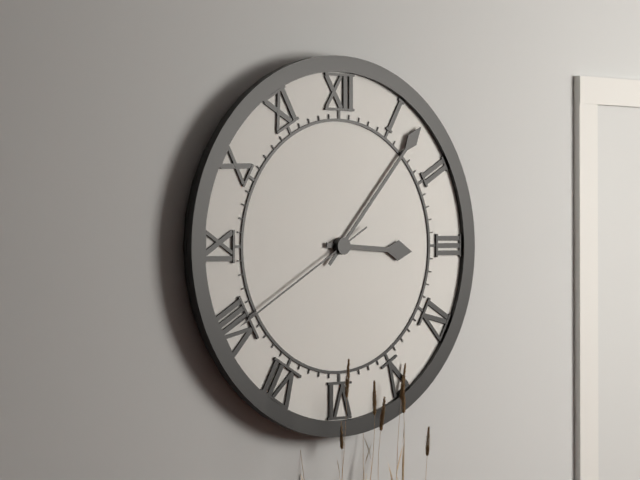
3:07:40
